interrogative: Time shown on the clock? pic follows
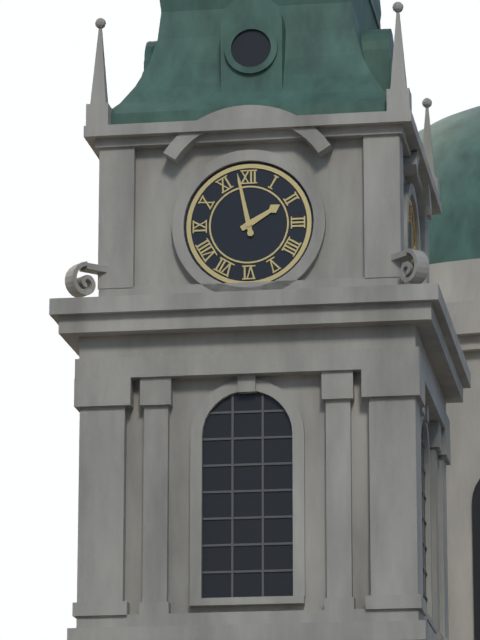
1:58
